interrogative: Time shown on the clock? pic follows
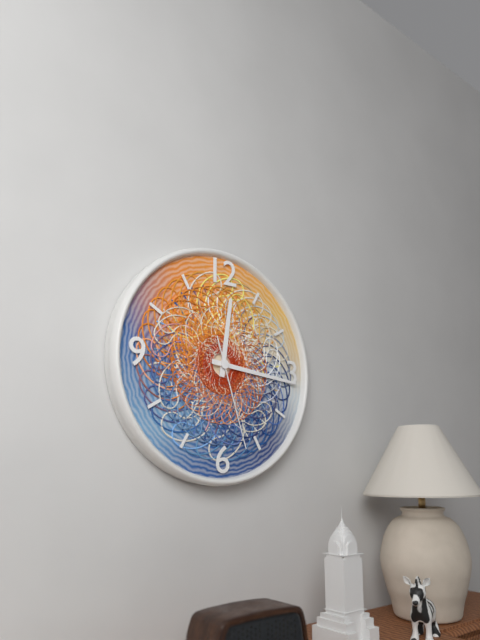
12:16:27
